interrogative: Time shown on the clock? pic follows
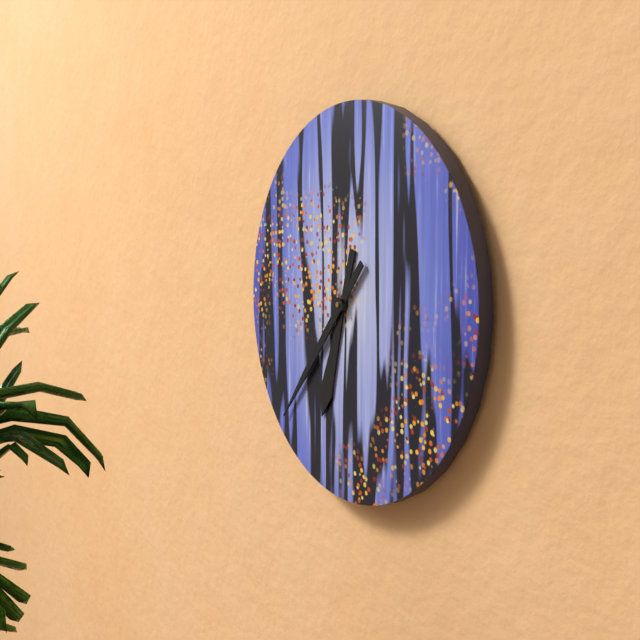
6:37
